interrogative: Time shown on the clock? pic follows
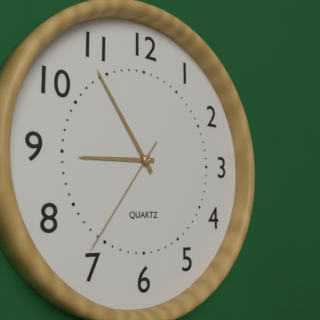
8:54:36
